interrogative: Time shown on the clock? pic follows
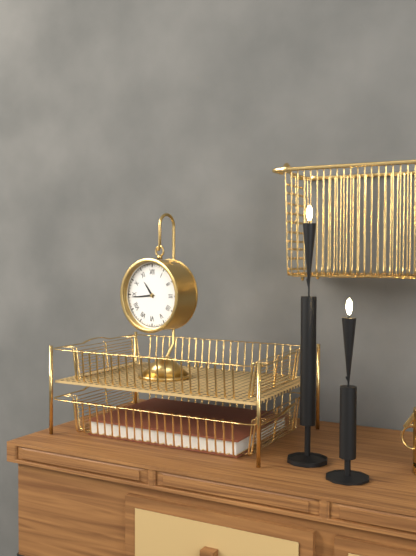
10:44
